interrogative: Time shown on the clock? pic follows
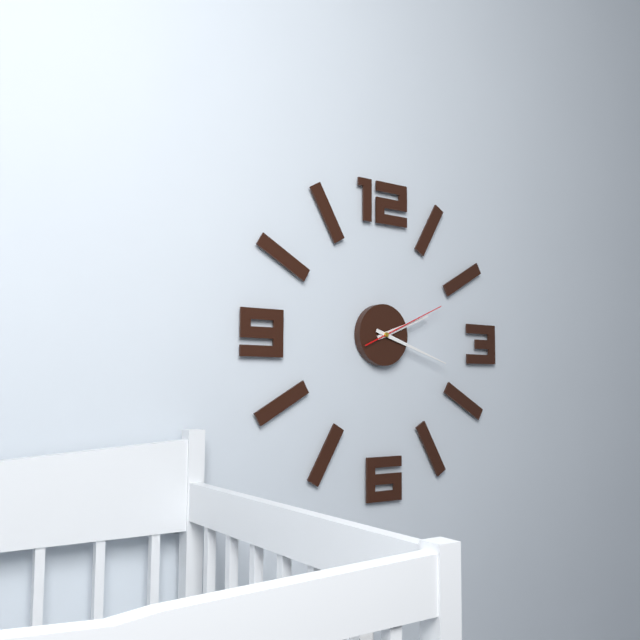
2:18:11
